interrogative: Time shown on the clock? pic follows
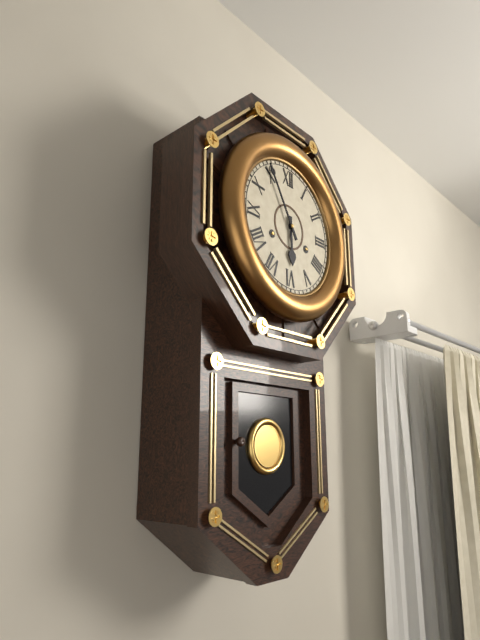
5:55
